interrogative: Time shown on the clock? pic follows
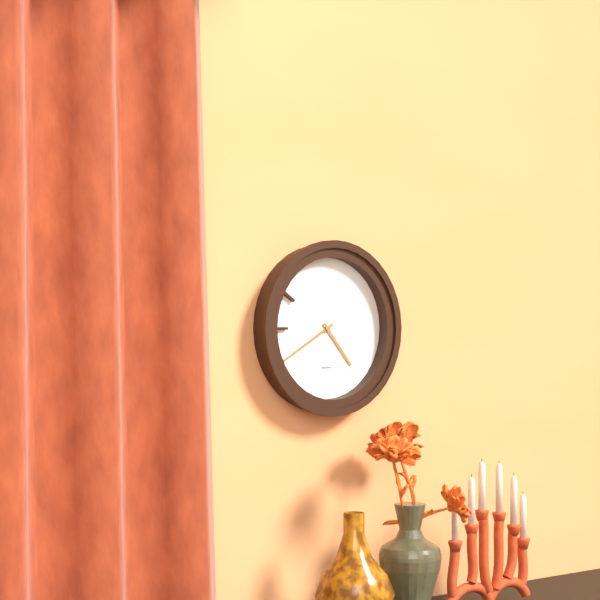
4:40
